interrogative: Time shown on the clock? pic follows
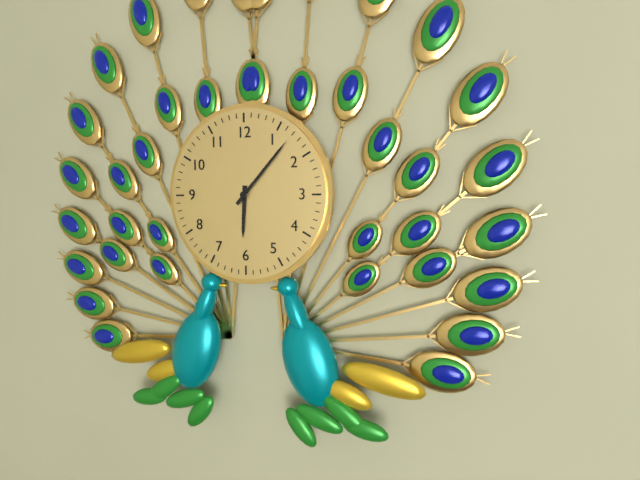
6:07
